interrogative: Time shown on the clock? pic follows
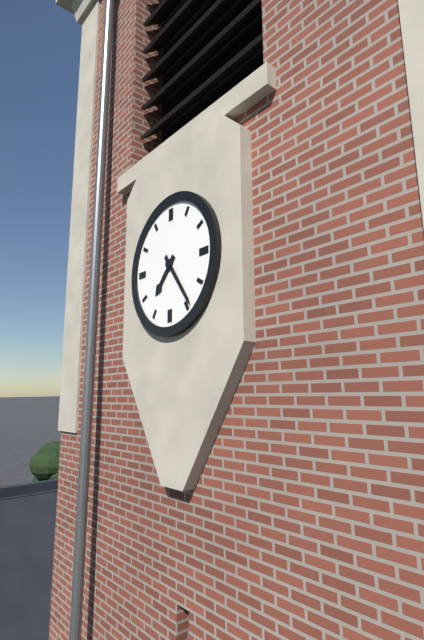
7:24
